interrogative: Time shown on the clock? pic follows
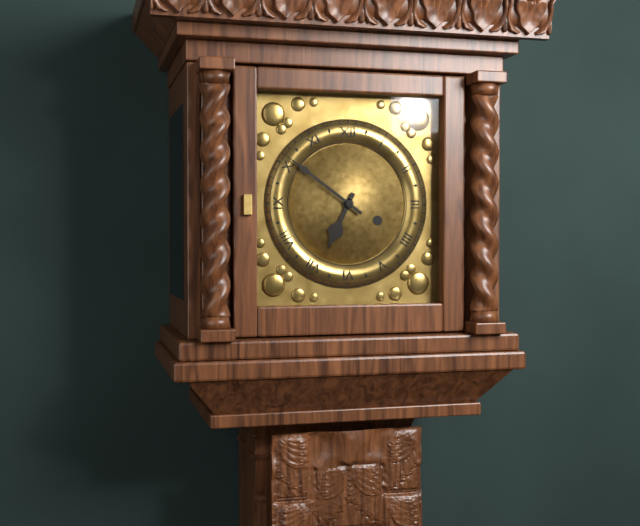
6:51
